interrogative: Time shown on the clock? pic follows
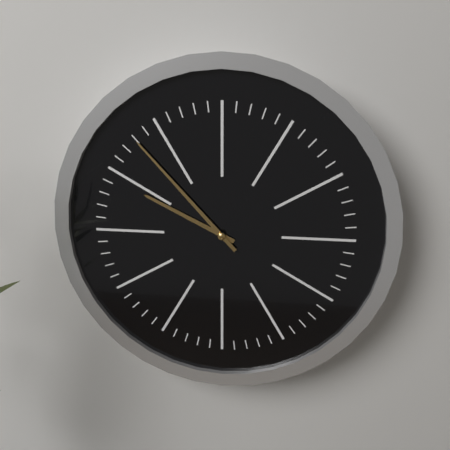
9:53
